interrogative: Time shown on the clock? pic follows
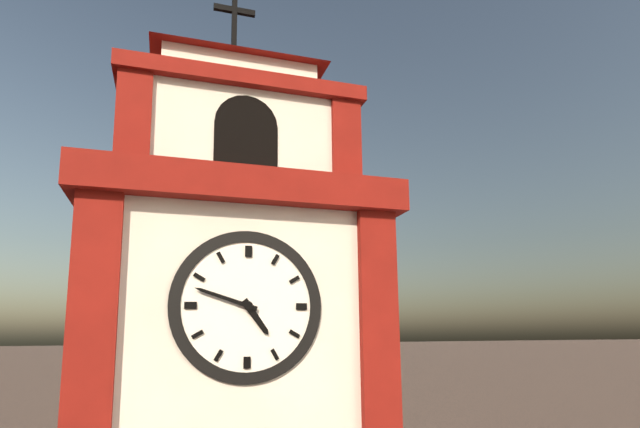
4:48
